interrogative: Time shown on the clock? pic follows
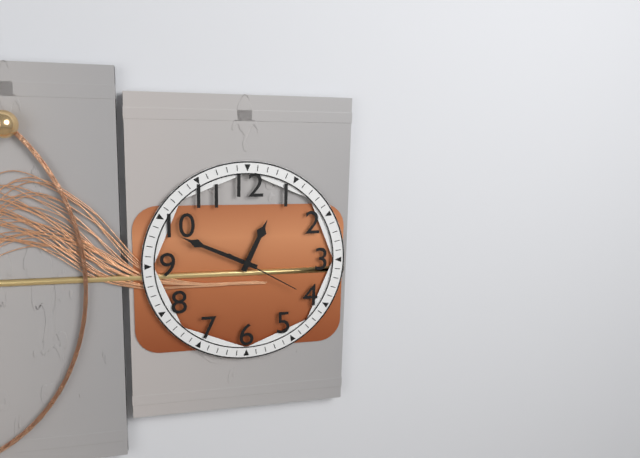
12:49:20
